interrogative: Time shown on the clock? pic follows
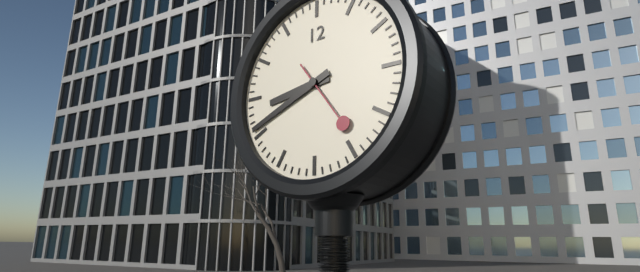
8:41
